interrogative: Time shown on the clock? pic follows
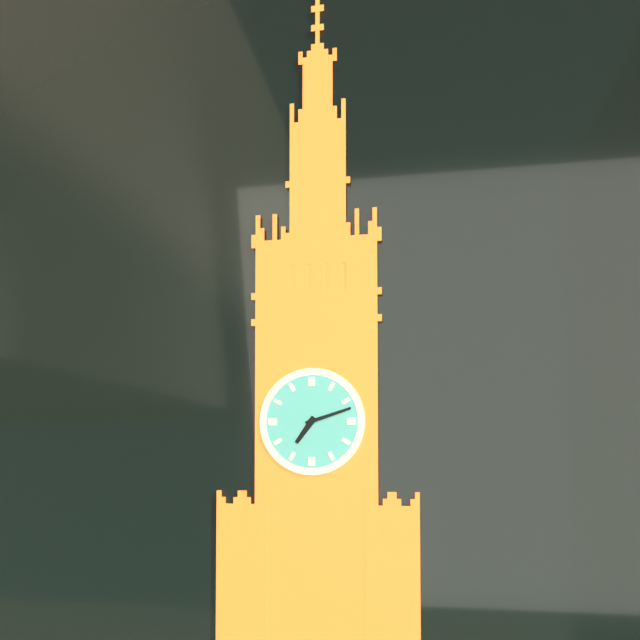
7:12
